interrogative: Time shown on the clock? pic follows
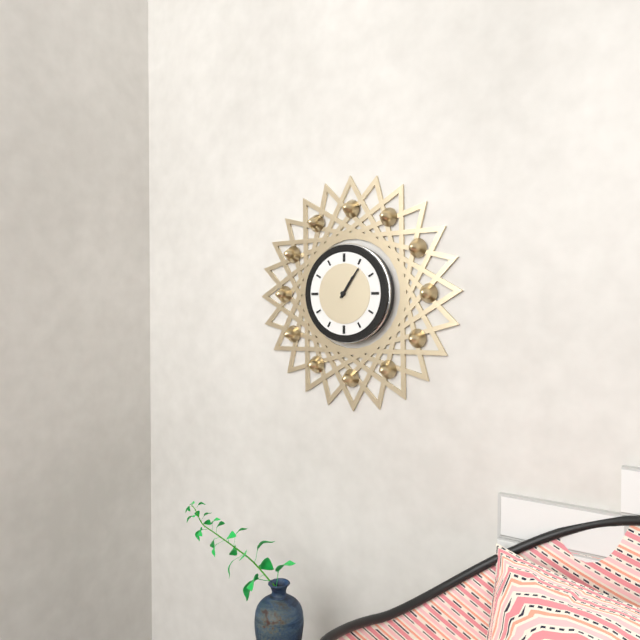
1:06
